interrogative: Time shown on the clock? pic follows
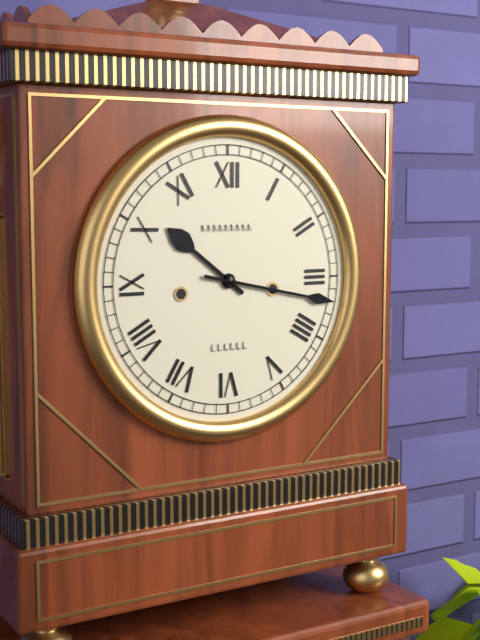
10:17
